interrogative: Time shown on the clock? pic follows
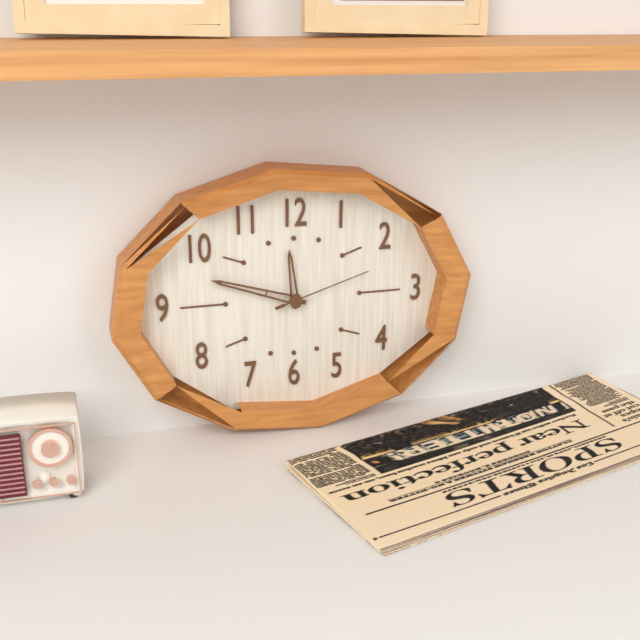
11:48:12
